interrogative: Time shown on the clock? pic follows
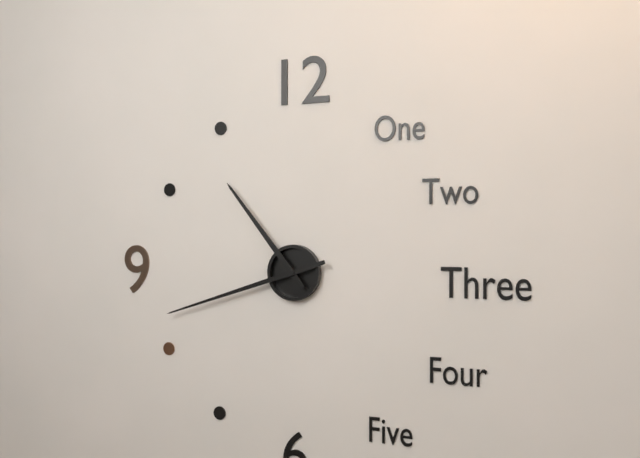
10:42
